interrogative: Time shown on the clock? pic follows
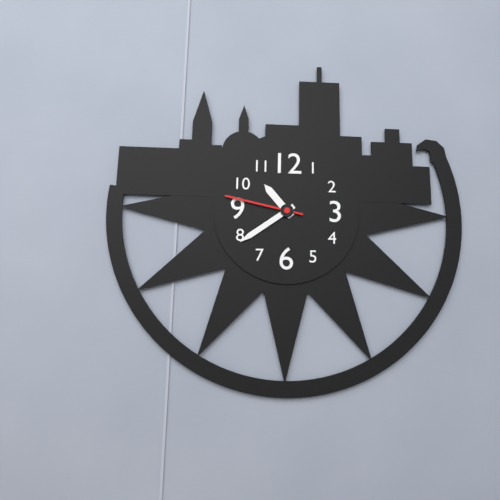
10:39:47
